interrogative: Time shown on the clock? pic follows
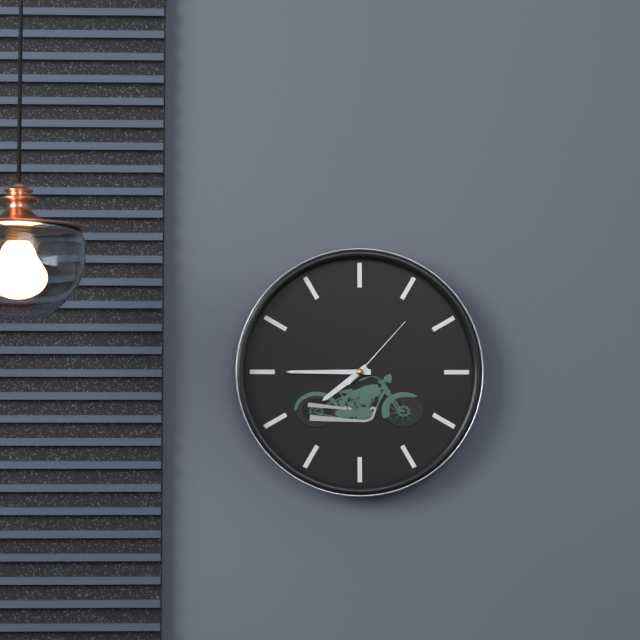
7:45:07
